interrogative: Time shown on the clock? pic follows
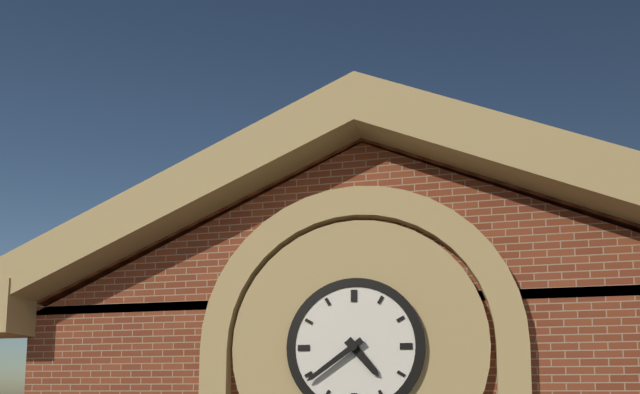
4:39
